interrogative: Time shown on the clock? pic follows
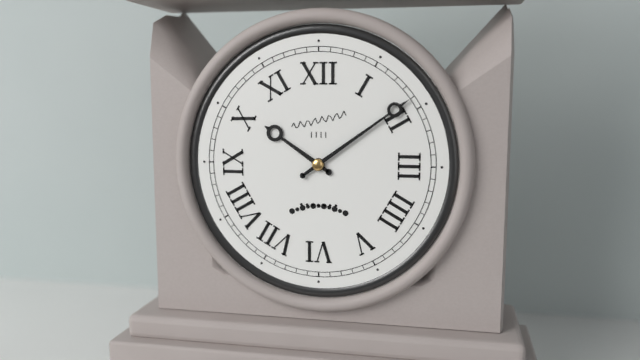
10:09
